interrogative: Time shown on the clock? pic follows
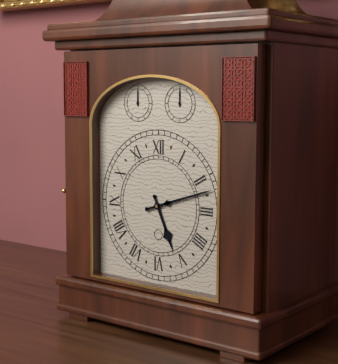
5:12
